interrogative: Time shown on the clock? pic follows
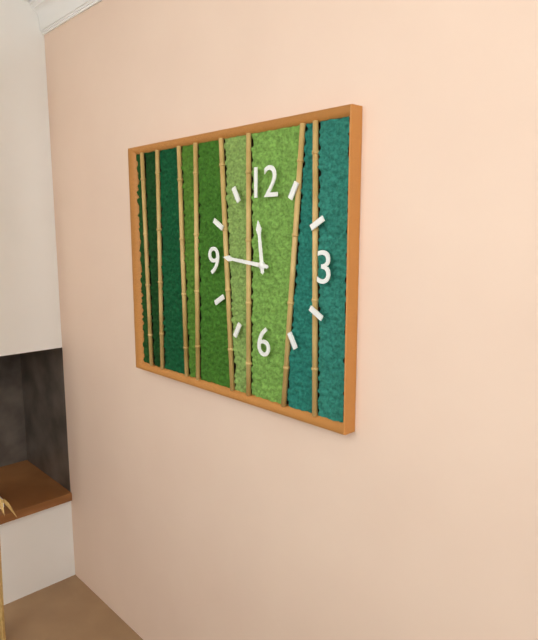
11:46
